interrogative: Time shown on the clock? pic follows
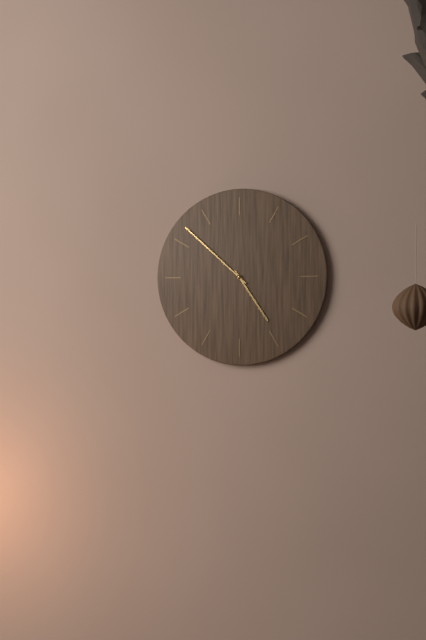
4:52
